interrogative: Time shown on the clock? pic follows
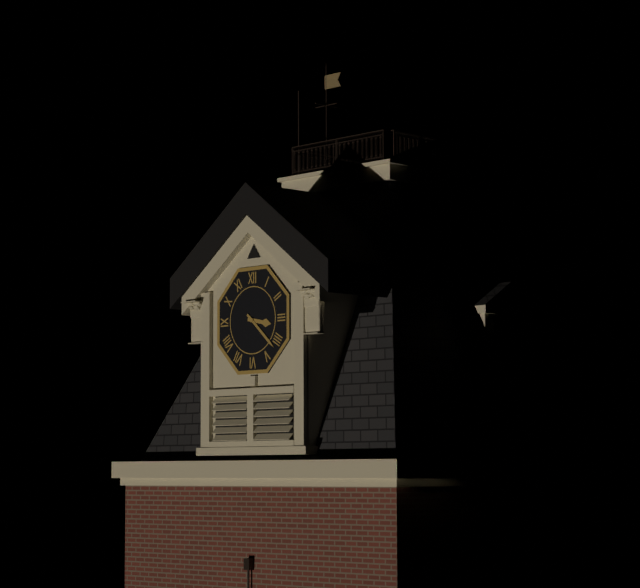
3:22
